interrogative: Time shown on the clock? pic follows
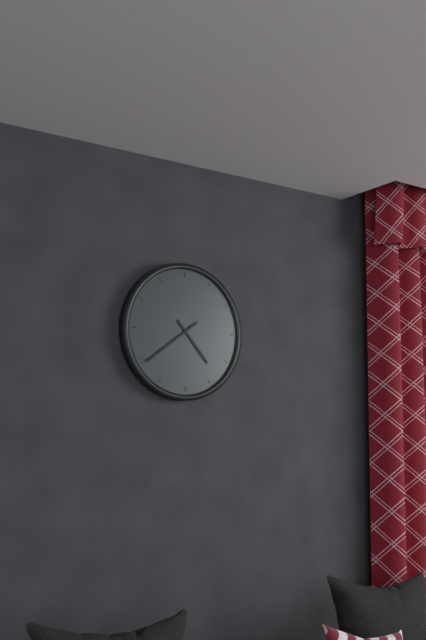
4:39
